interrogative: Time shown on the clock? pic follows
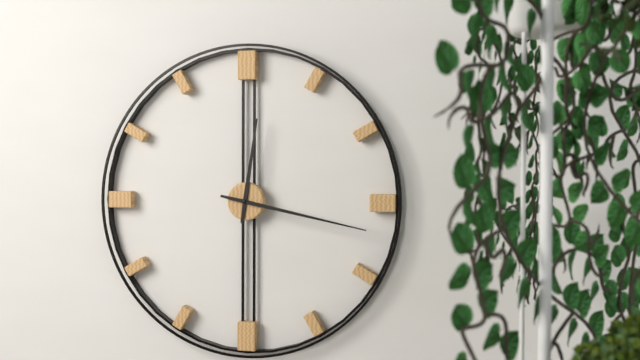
12:17
